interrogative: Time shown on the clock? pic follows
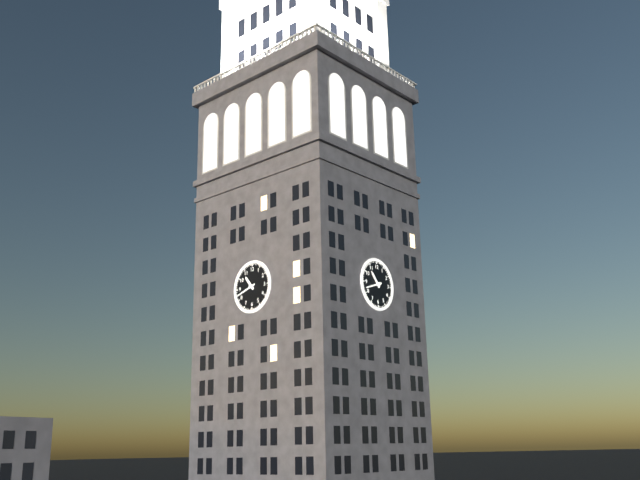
10:42
